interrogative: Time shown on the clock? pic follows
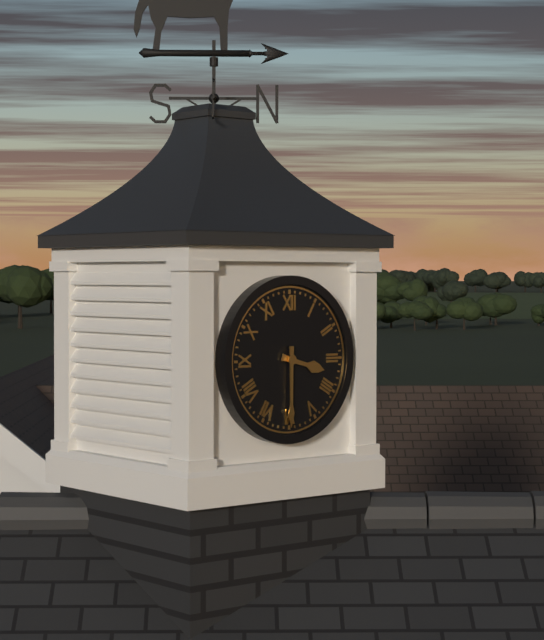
3:30
